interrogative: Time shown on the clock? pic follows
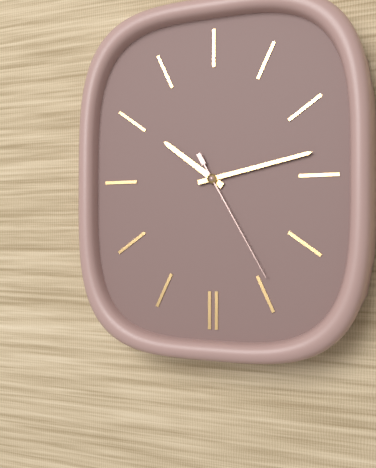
10:13:25
